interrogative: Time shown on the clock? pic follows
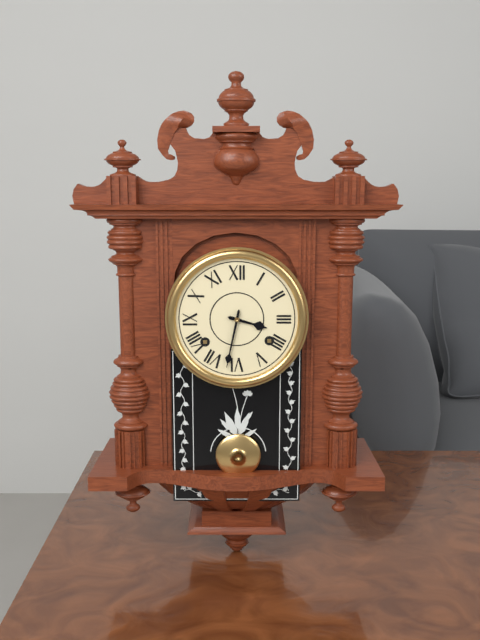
3:32
